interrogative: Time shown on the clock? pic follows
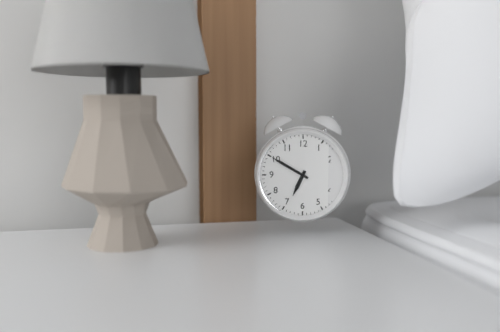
6:50
